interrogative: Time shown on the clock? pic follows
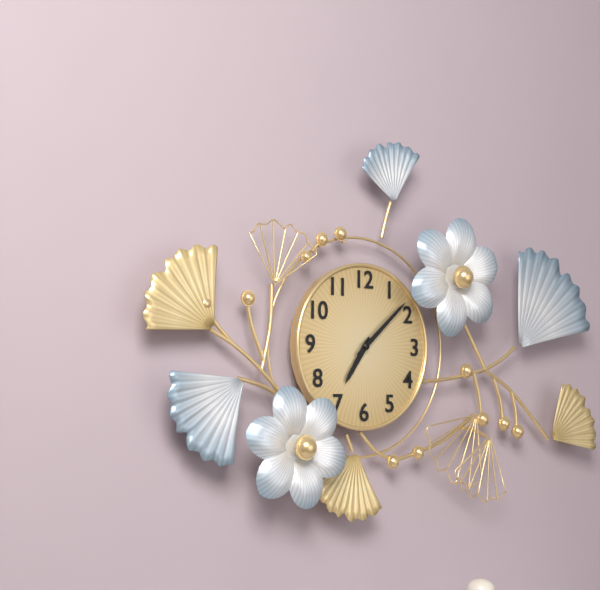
7:08
